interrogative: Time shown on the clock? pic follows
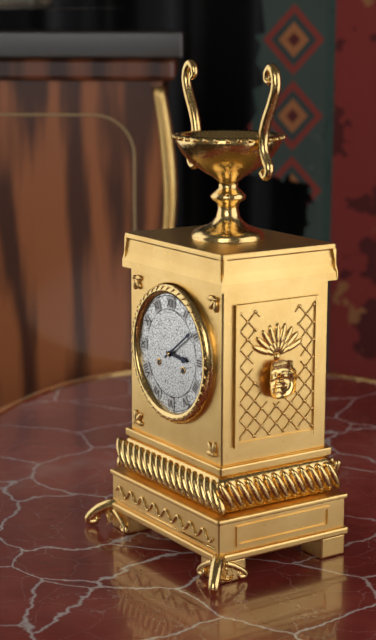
3:09
